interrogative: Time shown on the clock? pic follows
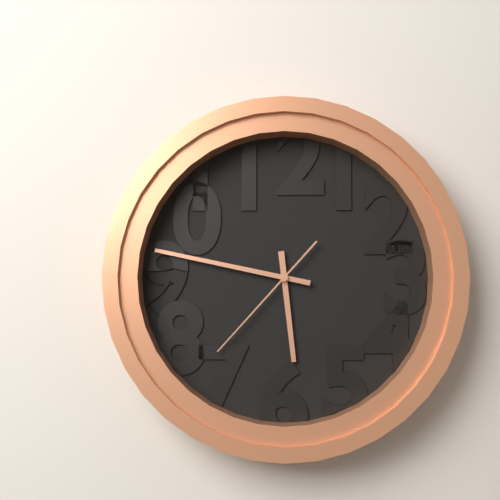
5:47:37
